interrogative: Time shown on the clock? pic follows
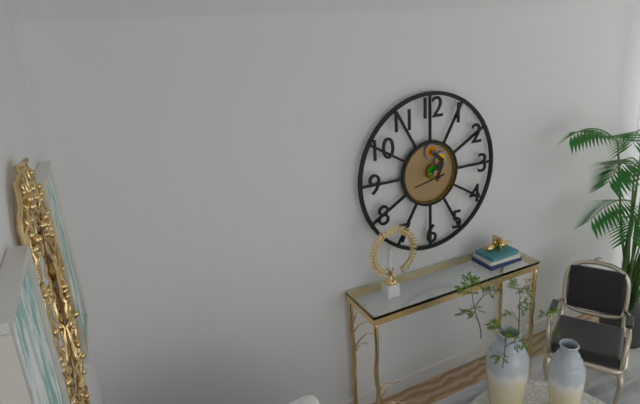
12:43
